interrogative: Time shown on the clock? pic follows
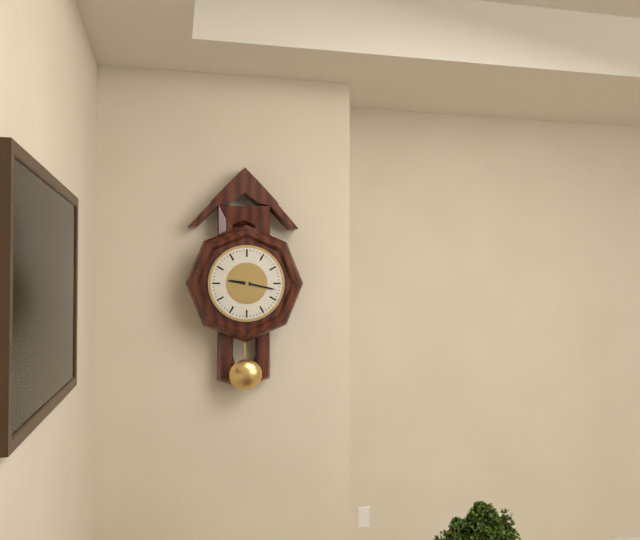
9:17
